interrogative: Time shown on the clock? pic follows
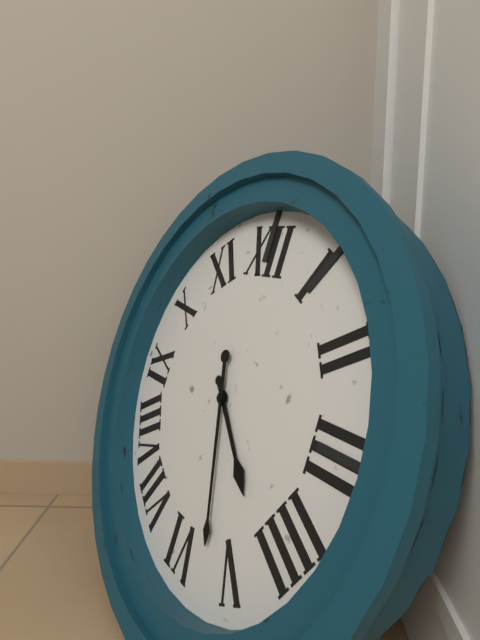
4:27
